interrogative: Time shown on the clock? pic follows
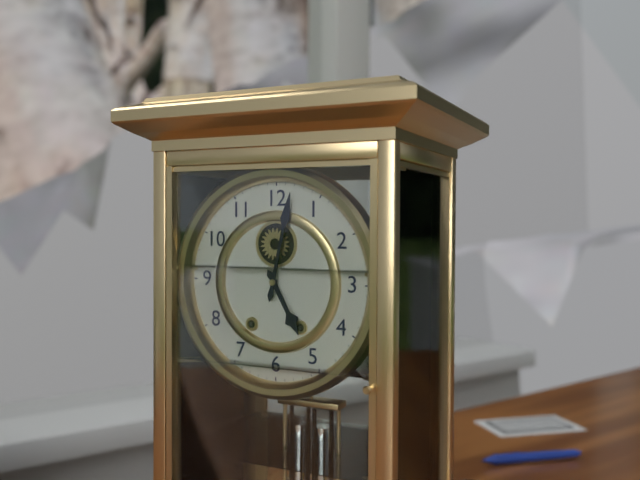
5:02
